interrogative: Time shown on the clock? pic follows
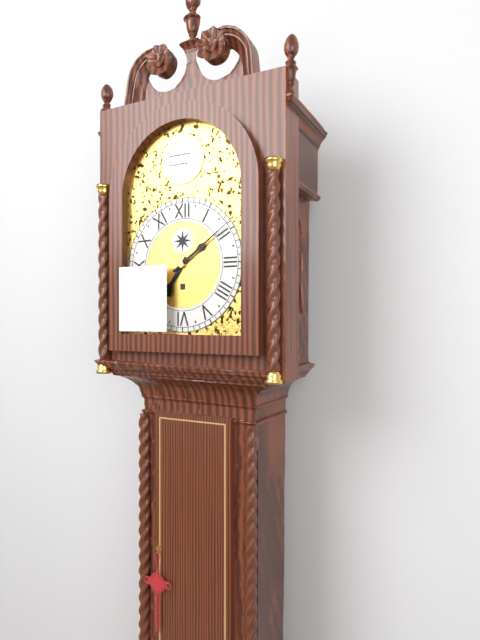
7:09
